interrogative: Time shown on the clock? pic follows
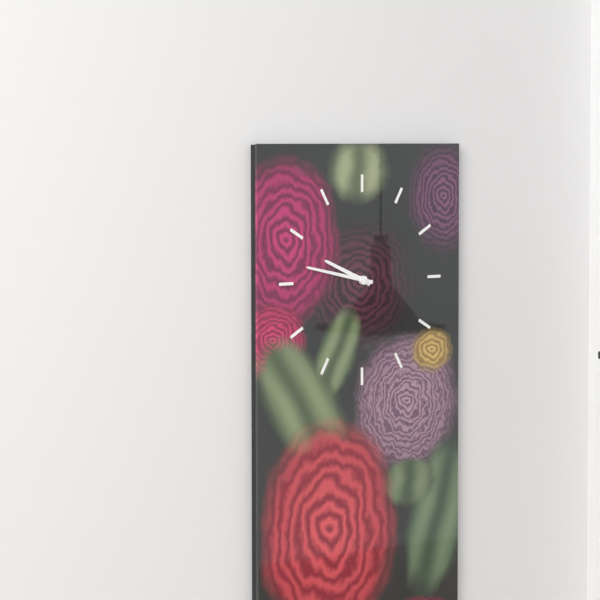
9:47
